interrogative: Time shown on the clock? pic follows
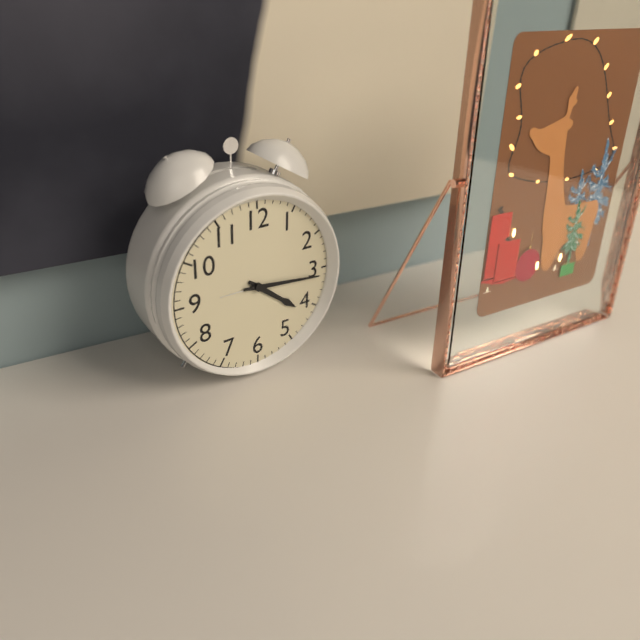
4:16
